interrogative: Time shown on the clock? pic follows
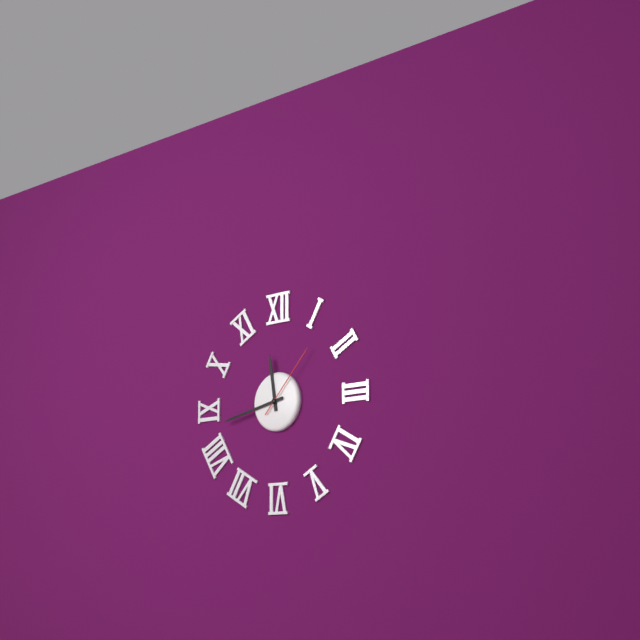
11:43:07
